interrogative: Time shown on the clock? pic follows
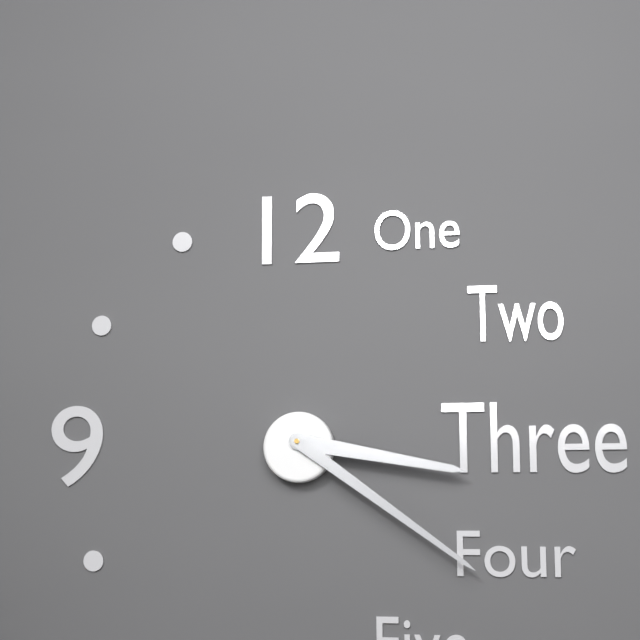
3:21
